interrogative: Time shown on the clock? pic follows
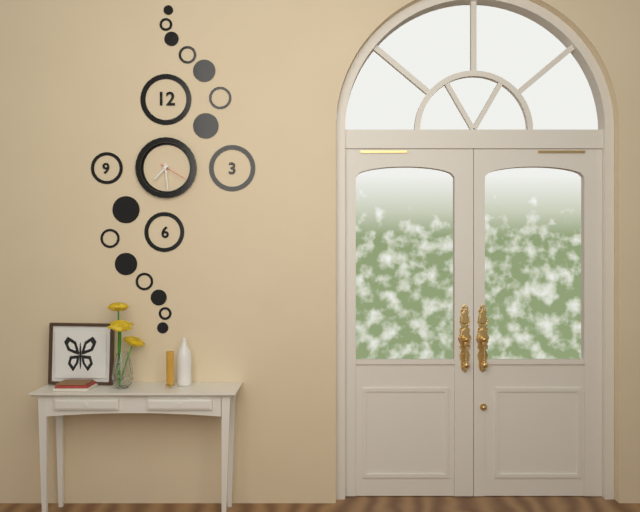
7:29
